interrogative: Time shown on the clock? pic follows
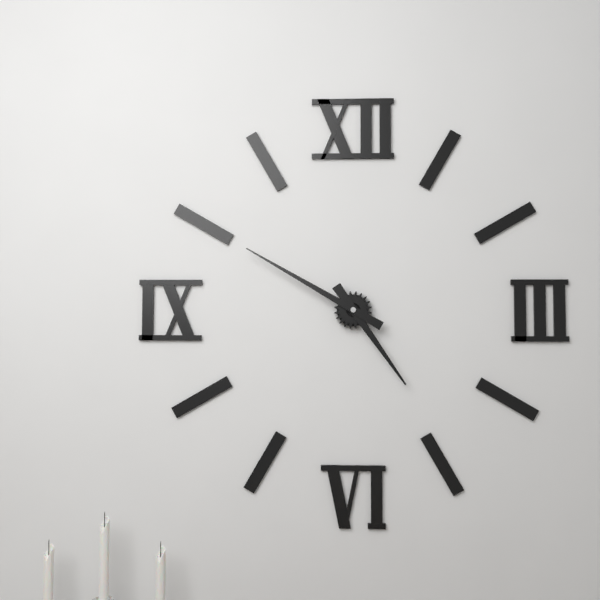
4:50
